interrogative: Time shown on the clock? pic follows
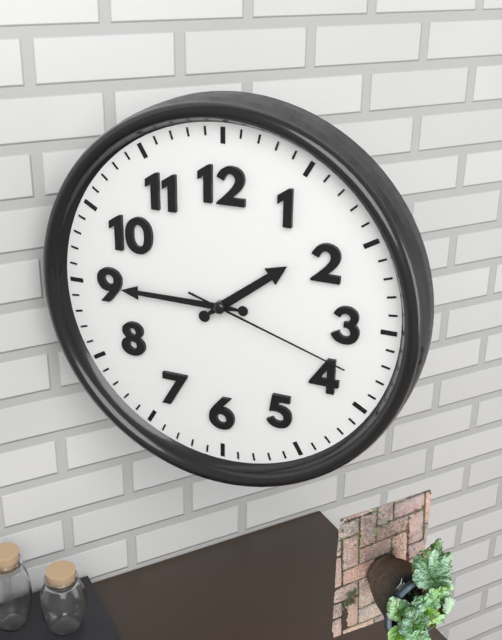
1:45:18
